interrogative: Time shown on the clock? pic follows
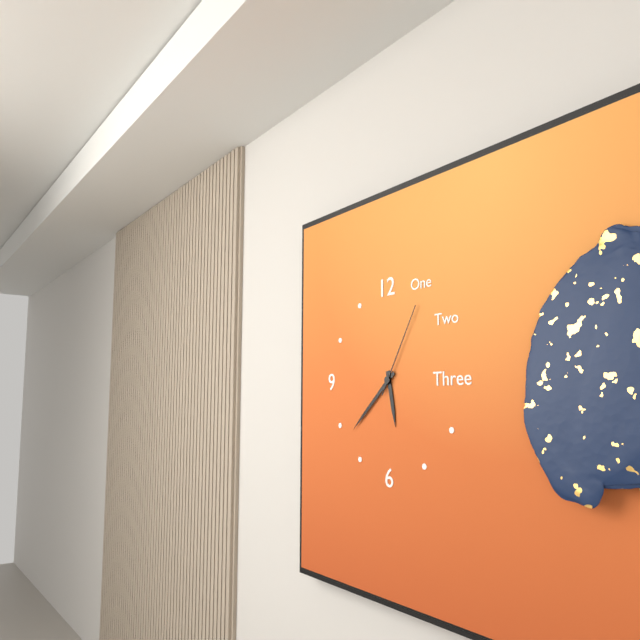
5:38:05
